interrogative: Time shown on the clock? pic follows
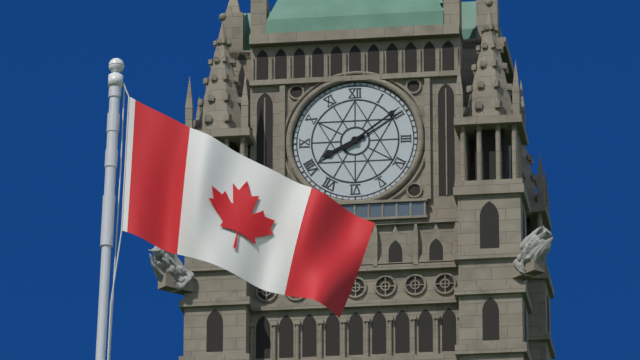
8:09
